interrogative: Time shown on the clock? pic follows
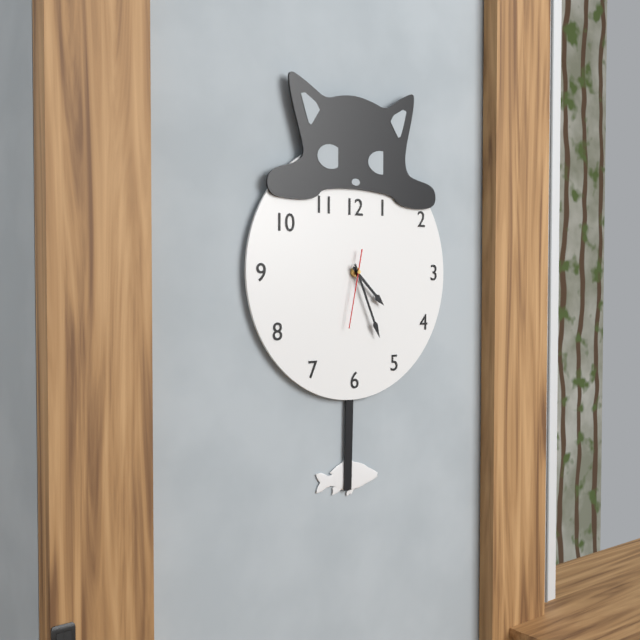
4:26:32
